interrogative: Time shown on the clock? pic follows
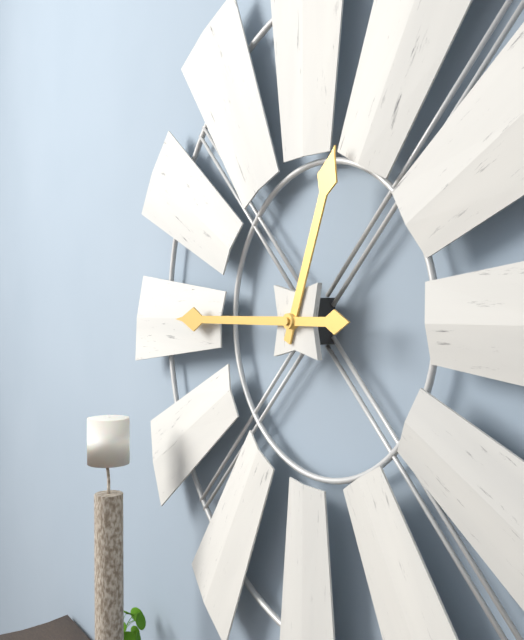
12:45
